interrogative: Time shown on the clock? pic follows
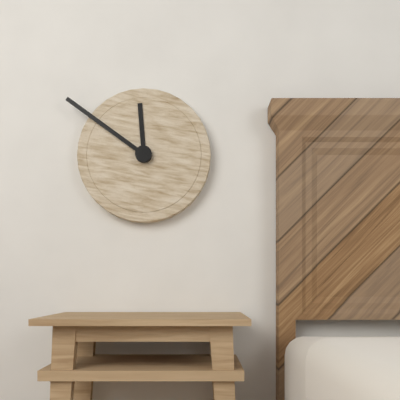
11:51
